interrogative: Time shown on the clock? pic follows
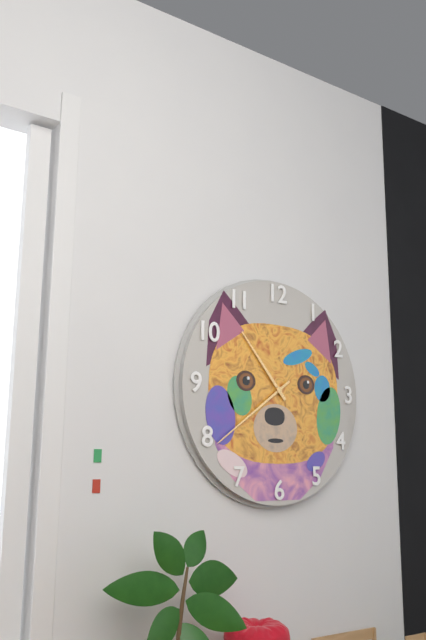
10:39
